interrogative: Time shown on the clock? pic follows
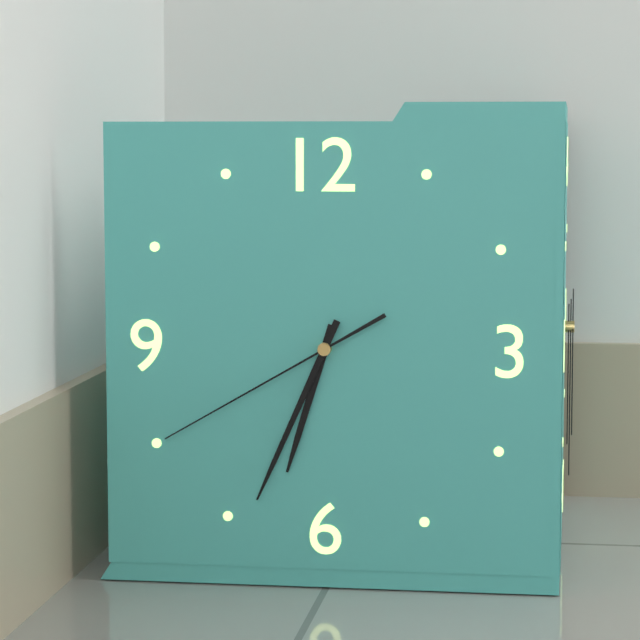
6:34:40
